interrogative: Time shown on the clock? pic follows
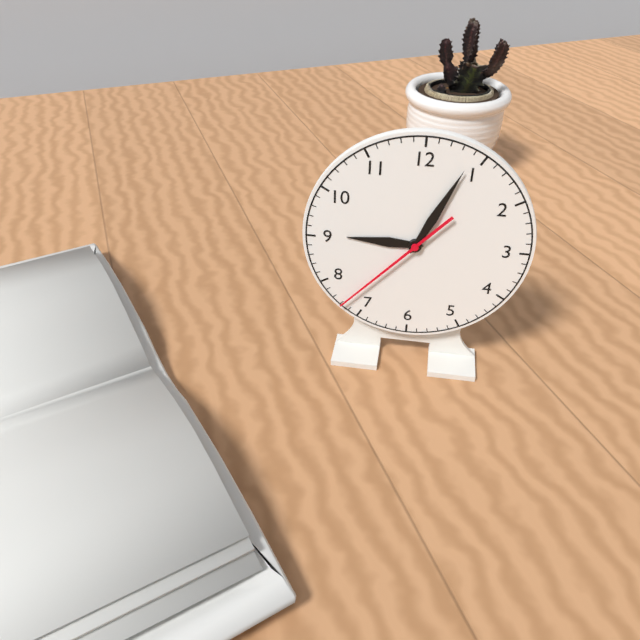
9:04:37
